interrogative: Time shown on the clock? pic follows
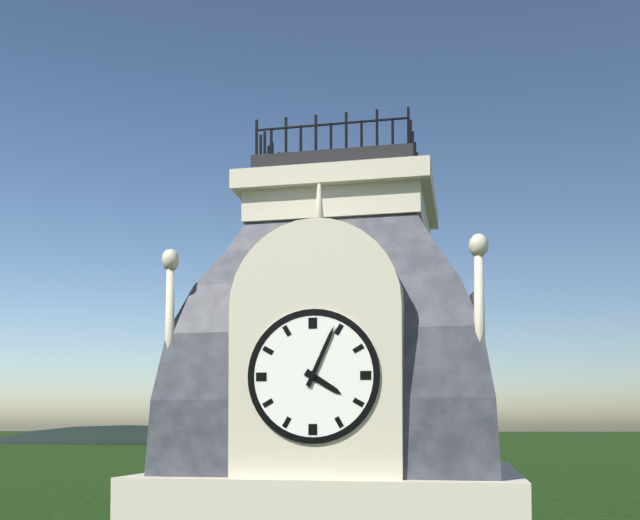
4:04
